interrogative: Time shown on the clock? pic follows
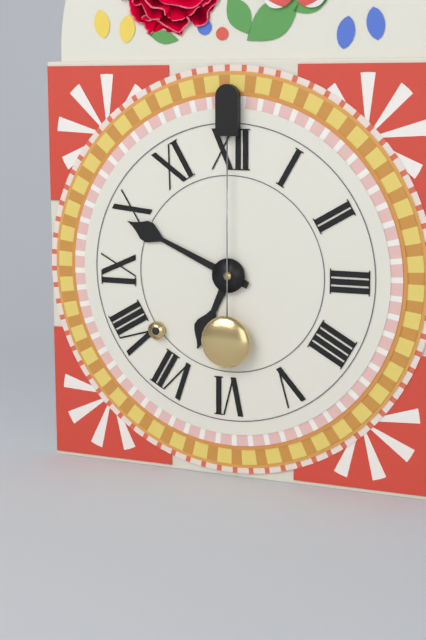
6:49
